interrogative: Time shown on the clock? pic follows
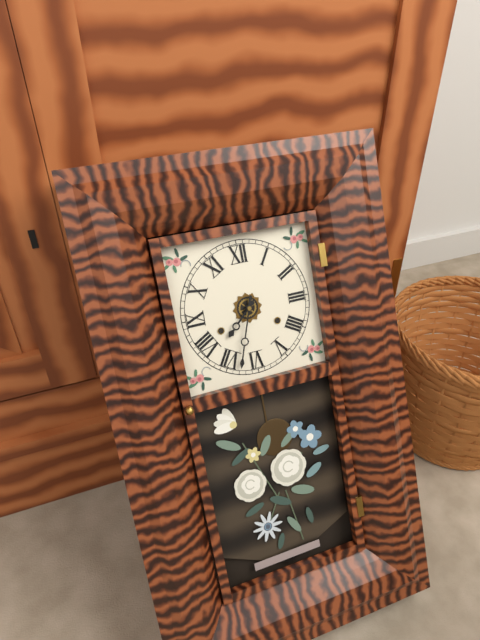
7:33
